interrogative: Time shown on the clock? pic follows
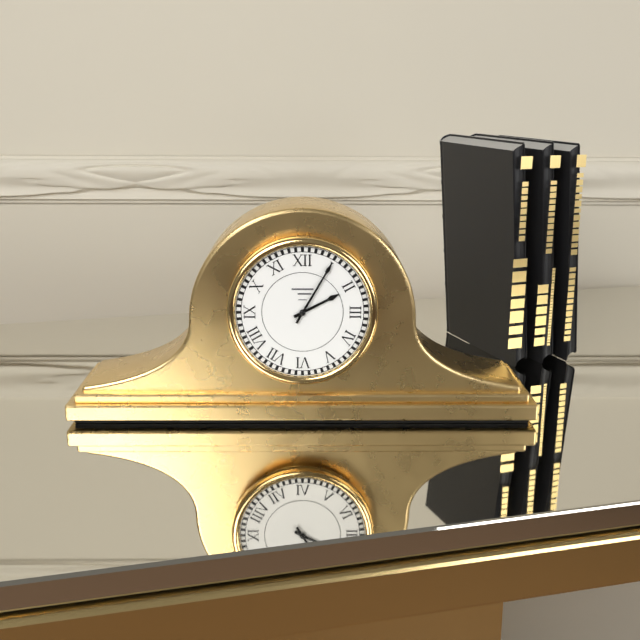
2:05
